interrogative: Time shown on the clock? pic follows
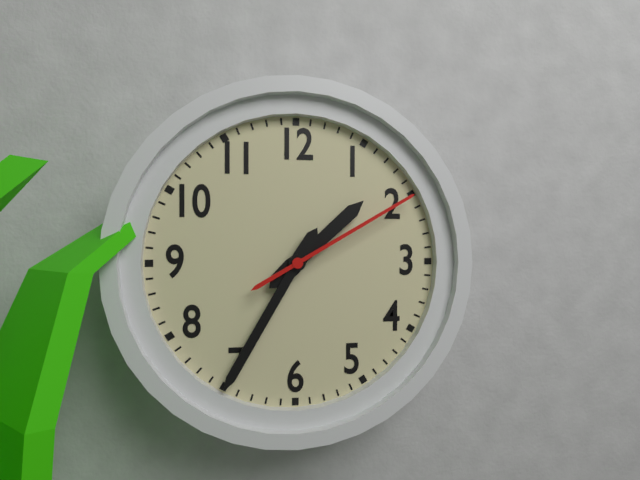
1:35:10
